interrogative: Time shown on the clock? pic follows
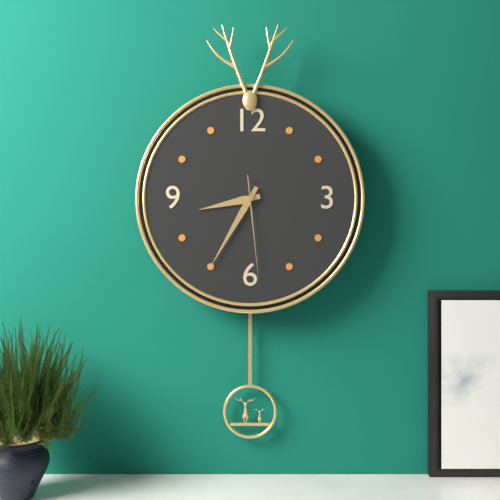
8:35:29
